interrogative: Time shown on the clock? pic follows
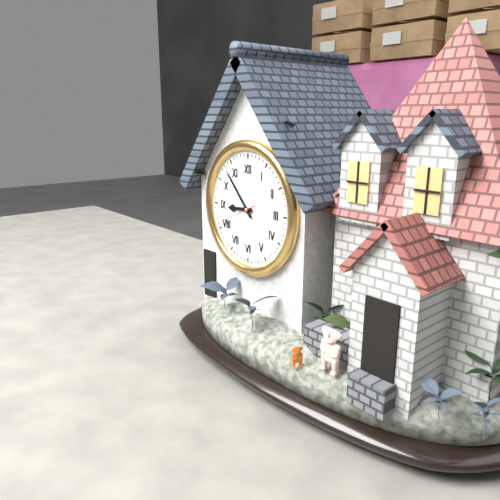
8:53
